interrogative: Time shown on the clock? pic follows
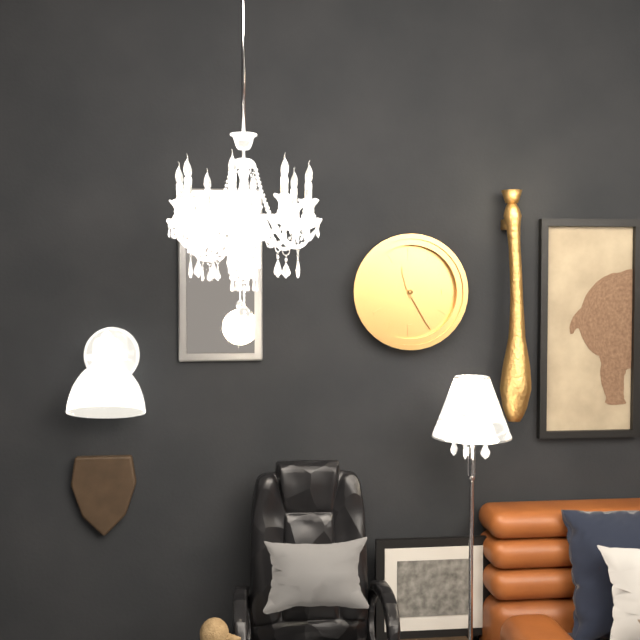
11:25
